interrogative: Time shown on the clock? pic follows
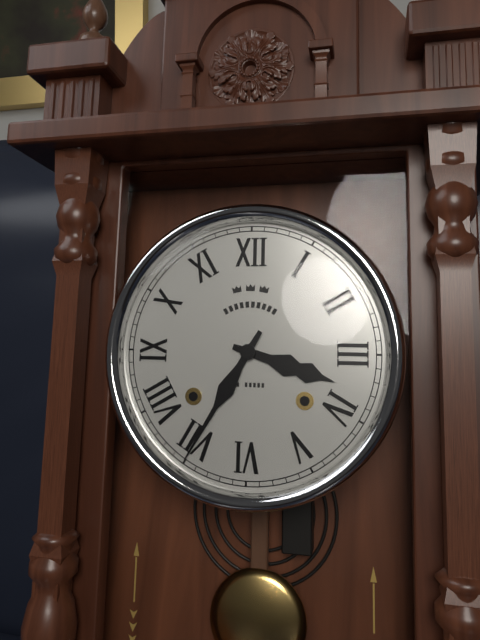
3:35
